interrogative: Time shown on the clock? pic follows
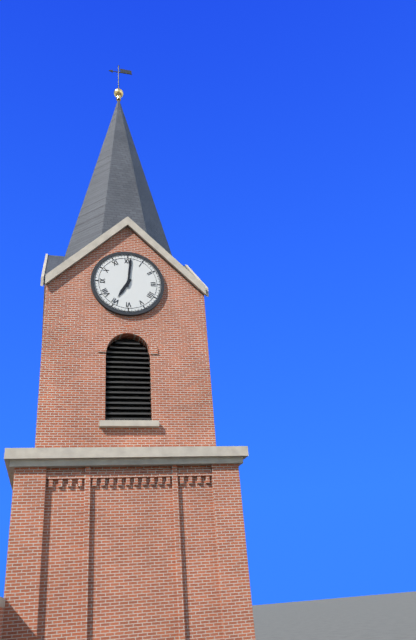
7:01
